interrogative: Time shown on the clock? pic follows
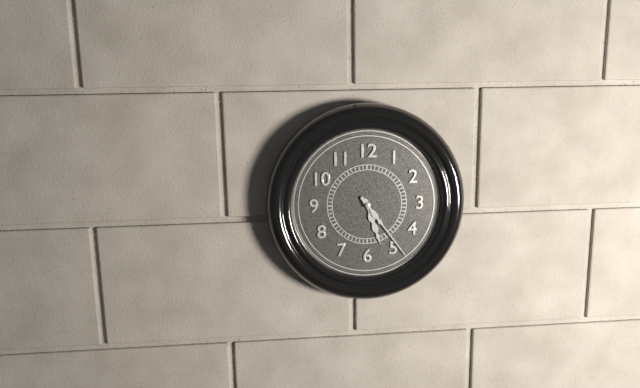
5:24
